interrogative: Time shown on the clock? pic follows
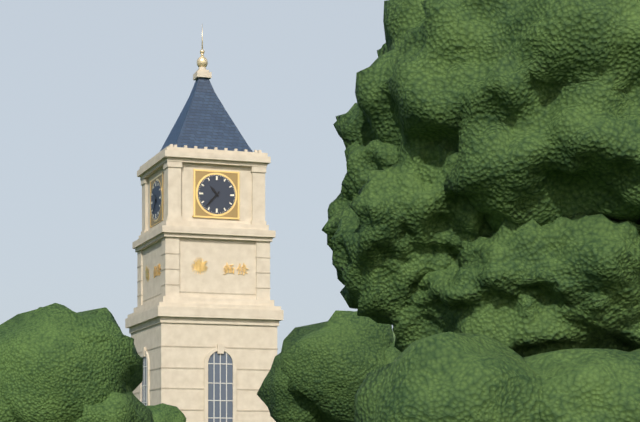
10:37
